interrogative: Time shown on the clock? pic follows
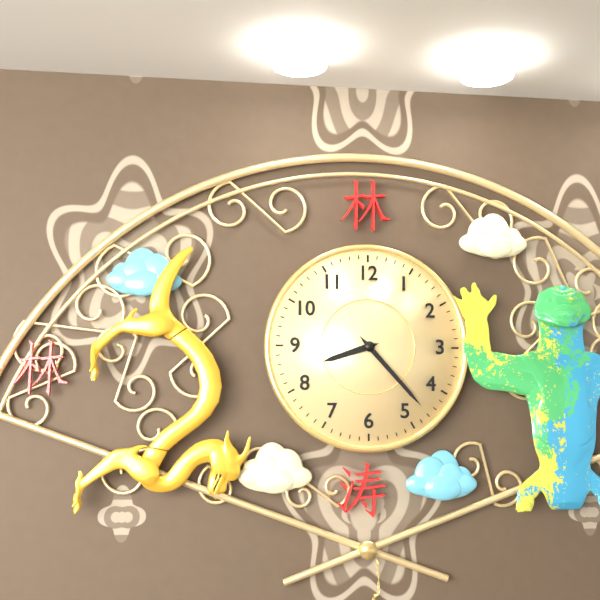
8:23
